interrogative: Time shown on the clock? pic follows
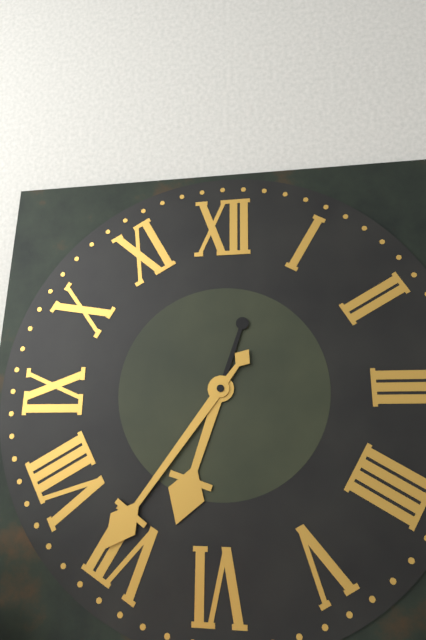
6:36
